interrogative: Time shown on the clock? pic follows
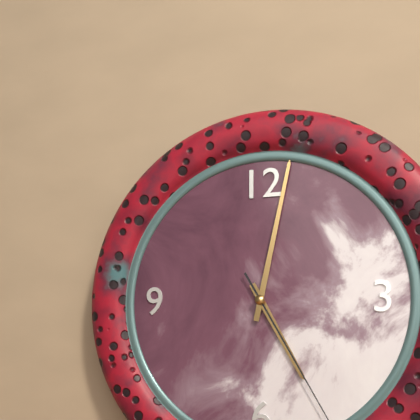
5:02
